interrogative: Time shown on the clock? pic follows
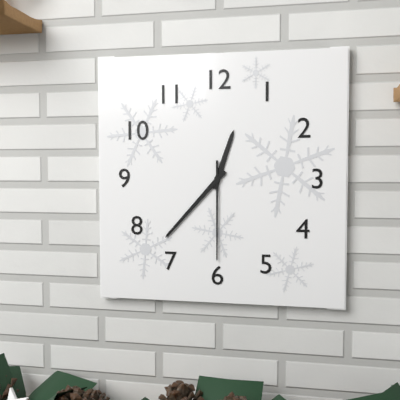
12:37:30
